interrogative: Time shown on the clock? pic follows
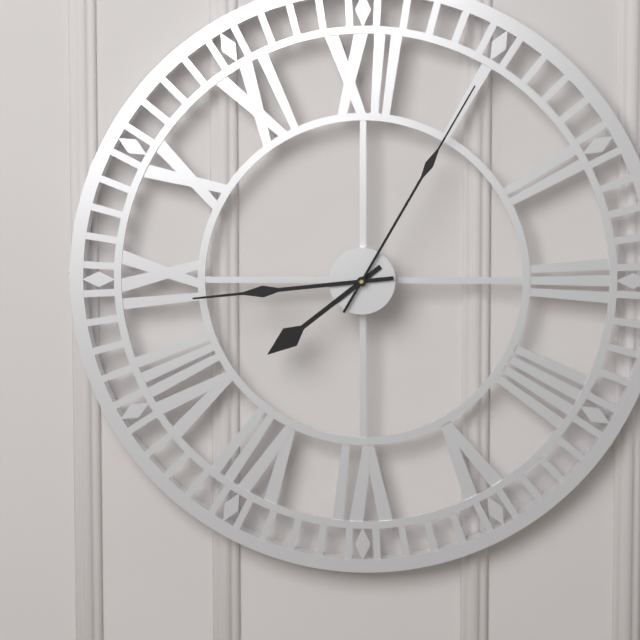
7:44:05
